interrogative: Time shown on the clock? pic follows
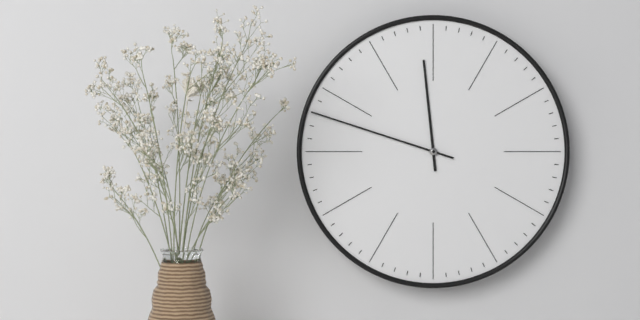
11:48
